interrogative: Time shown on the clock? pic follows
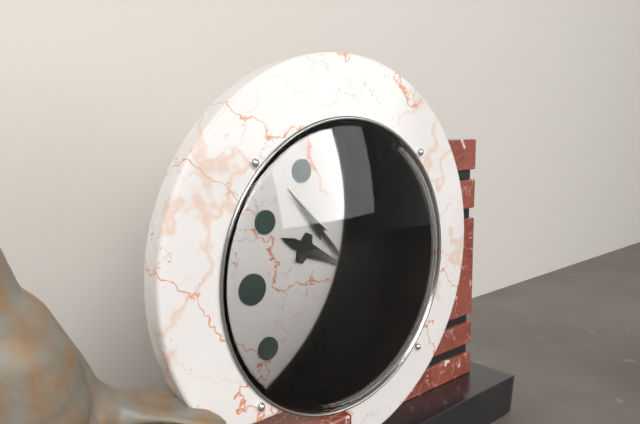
9:53
